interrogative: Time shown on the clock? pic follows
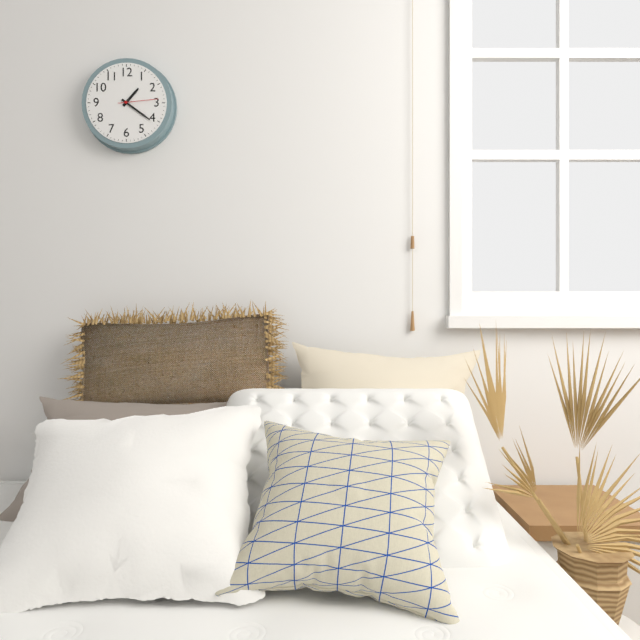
1:21
